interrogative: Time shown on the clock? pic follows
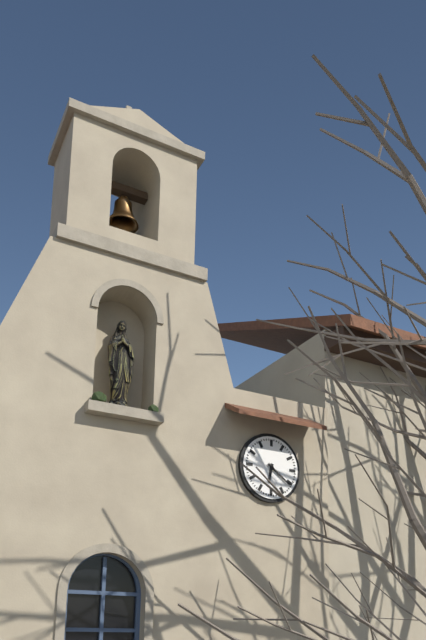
6:21
